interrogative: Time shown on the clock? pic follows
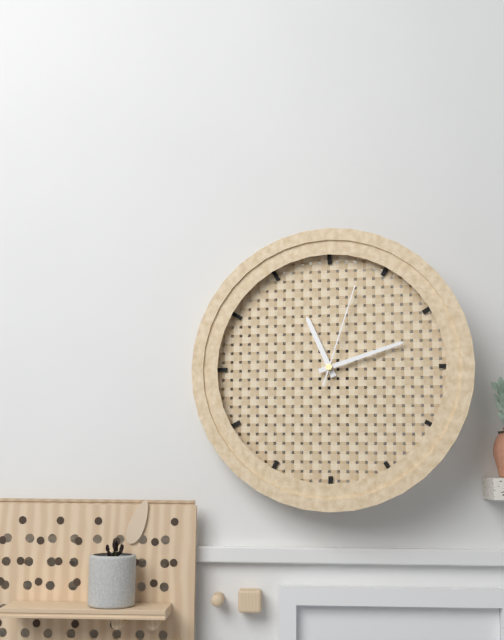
11:12:03
